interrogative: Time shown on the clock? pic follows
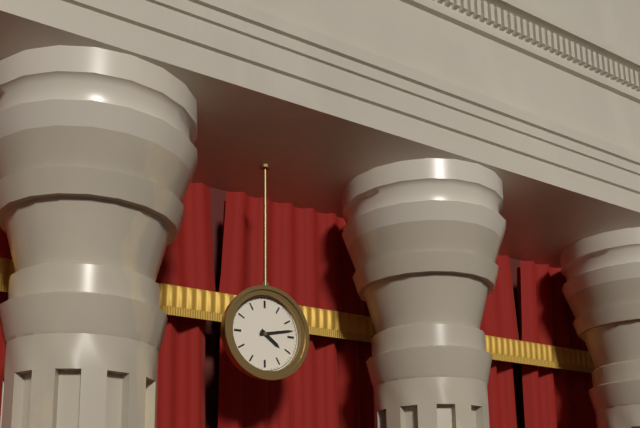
4:13
